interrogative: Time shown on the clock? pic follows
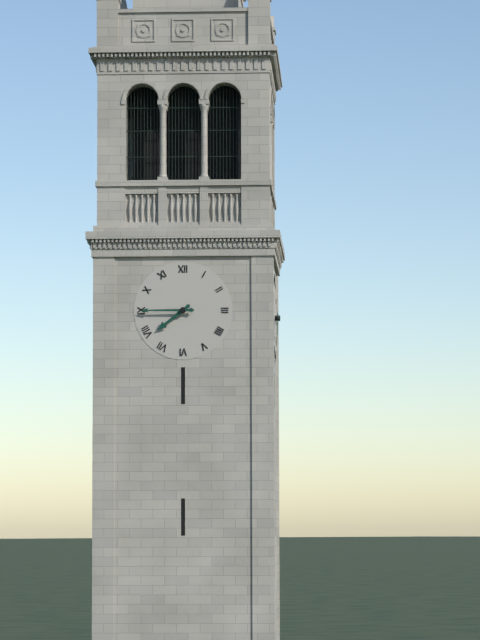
7:45
